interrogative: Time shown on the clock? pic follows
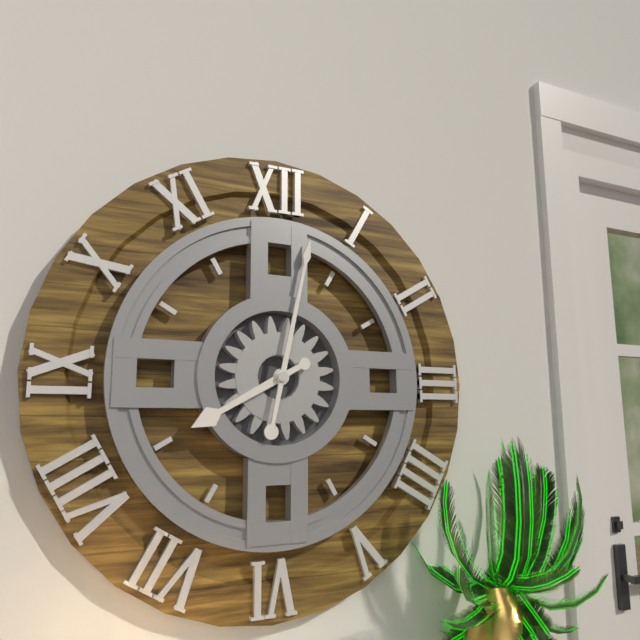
8:02
